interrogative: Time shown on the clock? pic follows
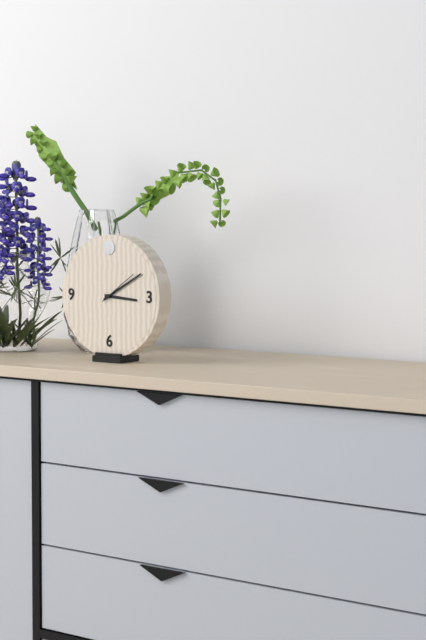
3:10
